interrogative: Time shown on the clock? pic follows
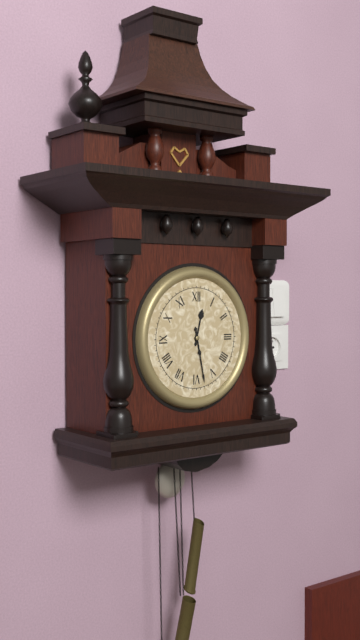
12:28
